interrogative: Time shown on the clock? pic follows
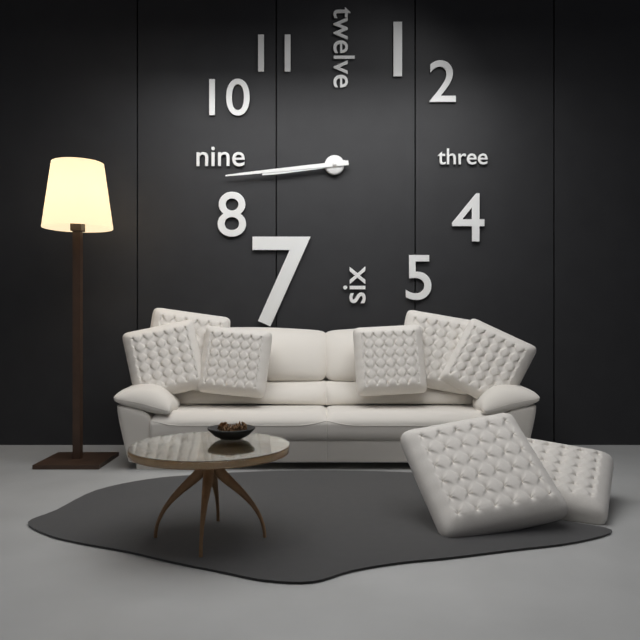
8:44
